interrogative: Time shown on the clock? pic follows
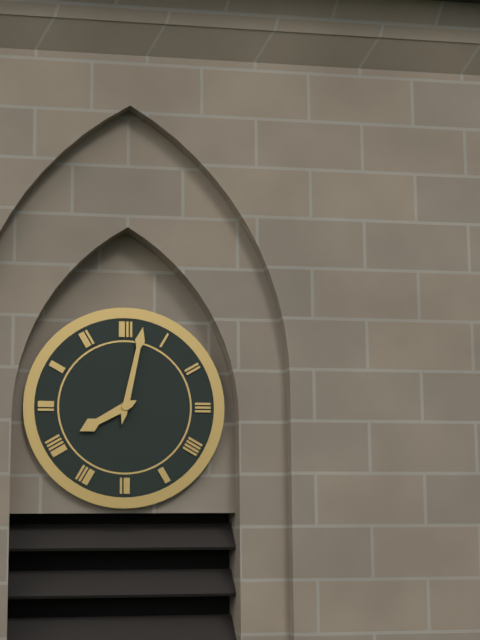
8:02
